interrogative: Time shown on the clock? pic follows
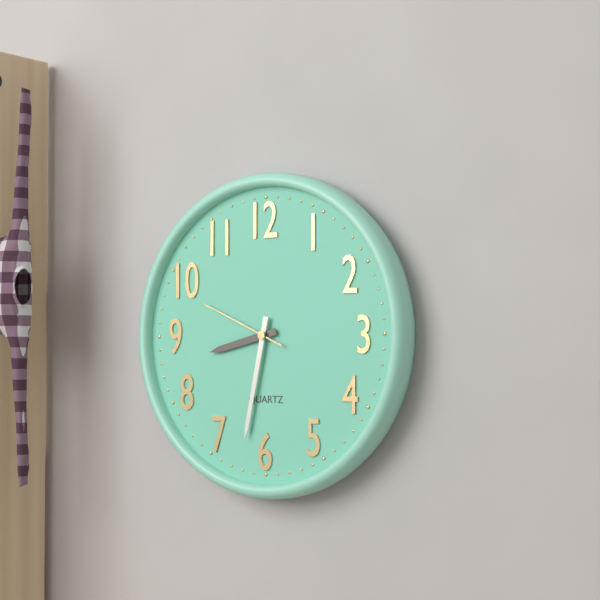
8:32:49
